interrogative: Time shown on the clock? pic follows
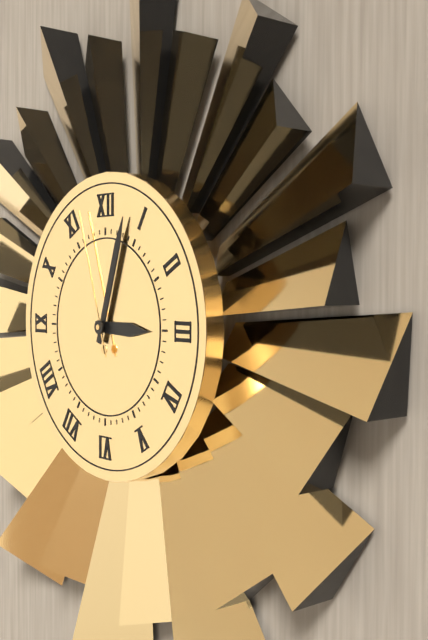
3:03:57
